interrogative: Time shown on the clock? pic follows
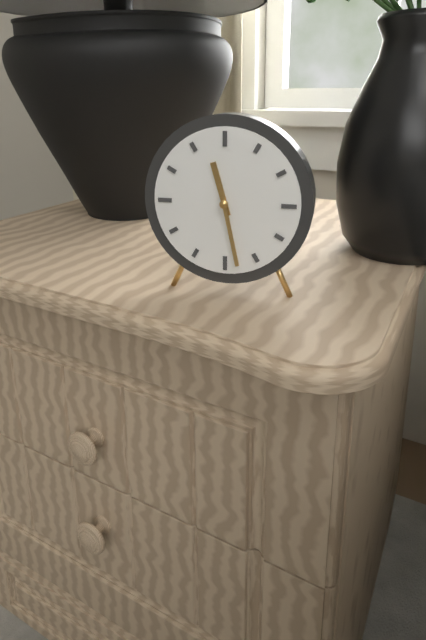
11:28
